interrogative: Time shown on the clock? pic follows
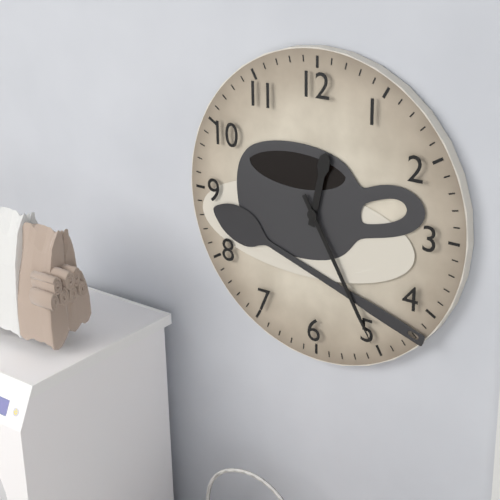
12:25
